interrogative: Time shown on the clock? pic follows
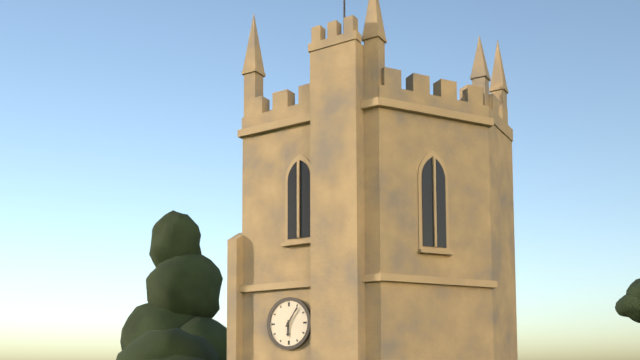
6:06
